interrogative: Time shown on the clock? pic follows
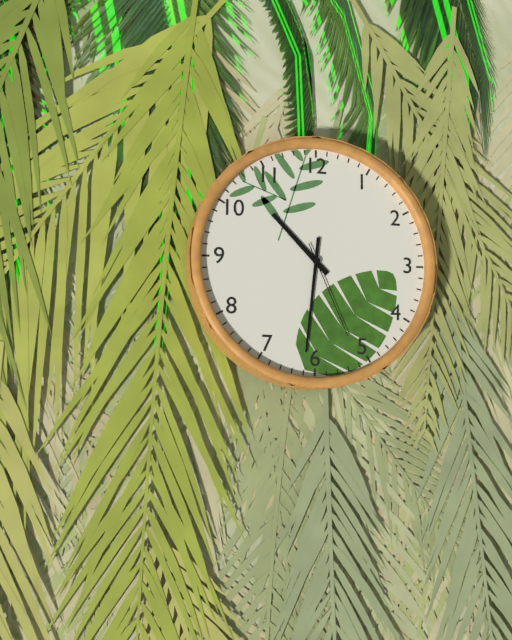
10:31:26
